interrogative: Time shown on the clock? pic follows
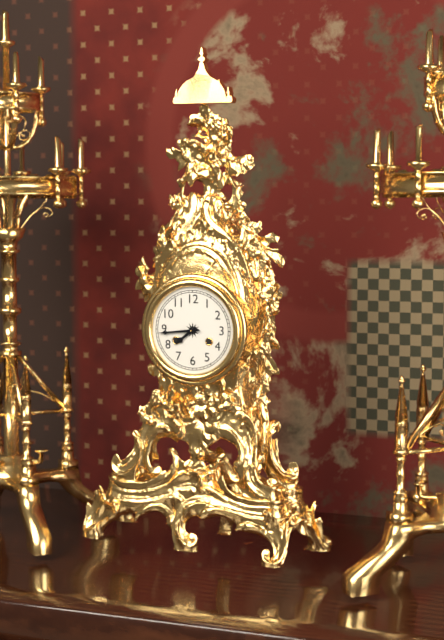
7:44
